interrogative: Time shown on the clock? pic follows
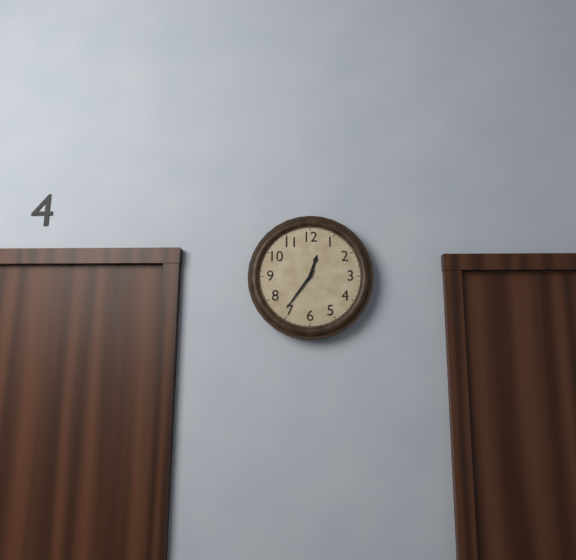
12:36
